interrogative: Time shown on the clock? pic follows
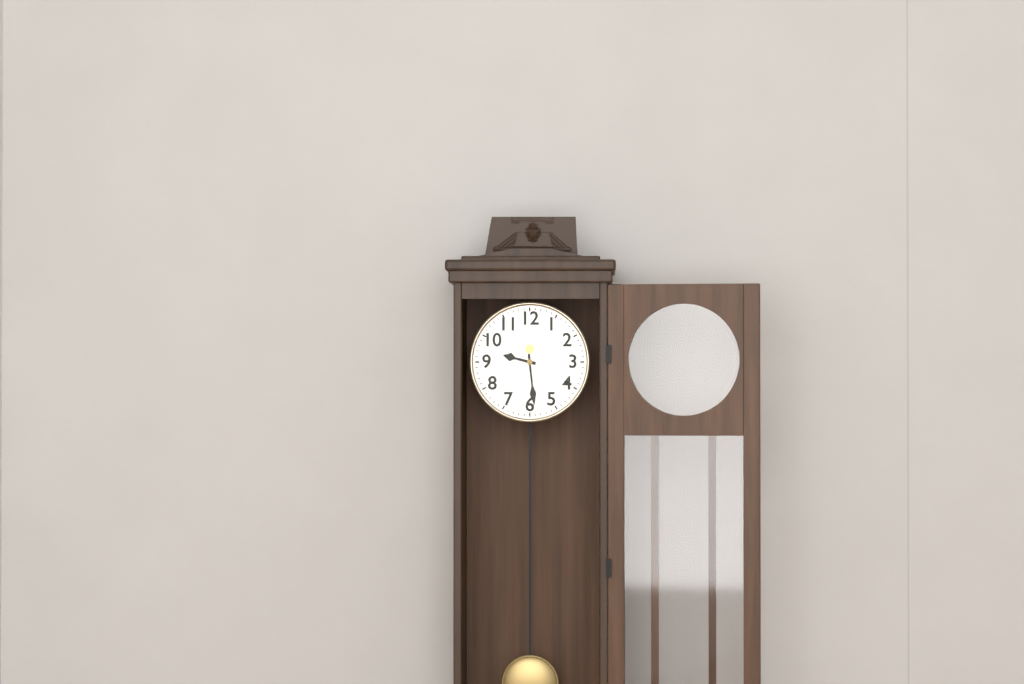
9:29
